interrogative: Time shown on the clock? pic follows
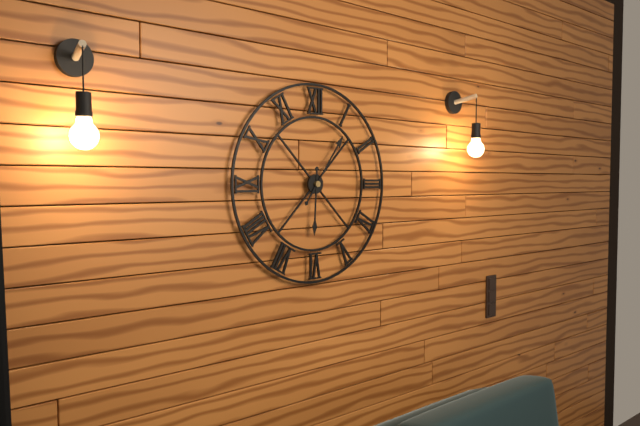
6:06
